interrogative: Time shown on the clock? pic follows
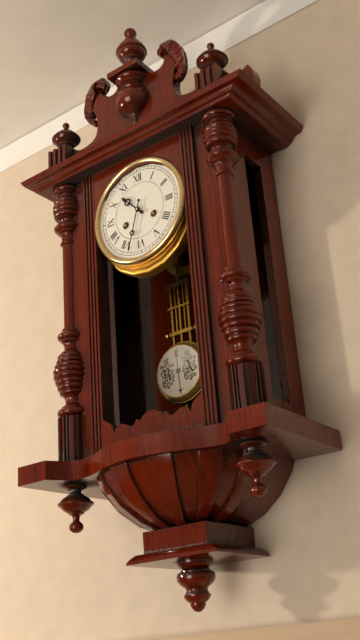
10:33
